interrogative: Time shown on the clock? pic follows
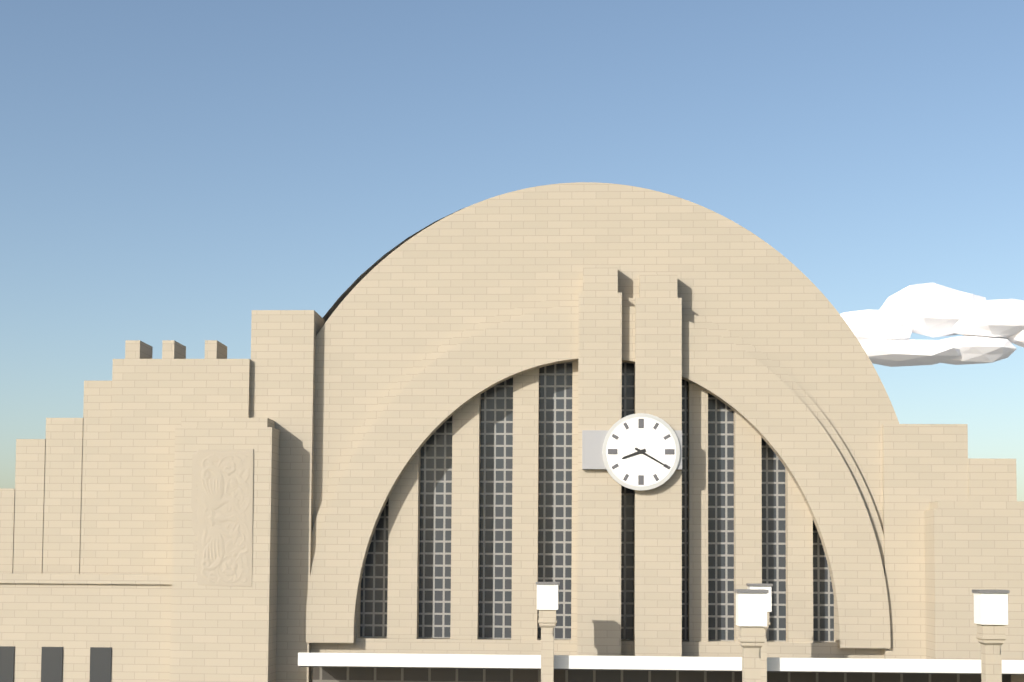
8:20
